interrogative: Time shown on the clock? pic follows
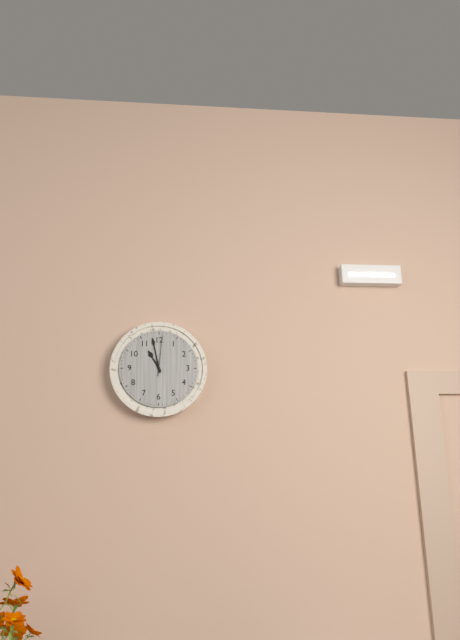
10:58
